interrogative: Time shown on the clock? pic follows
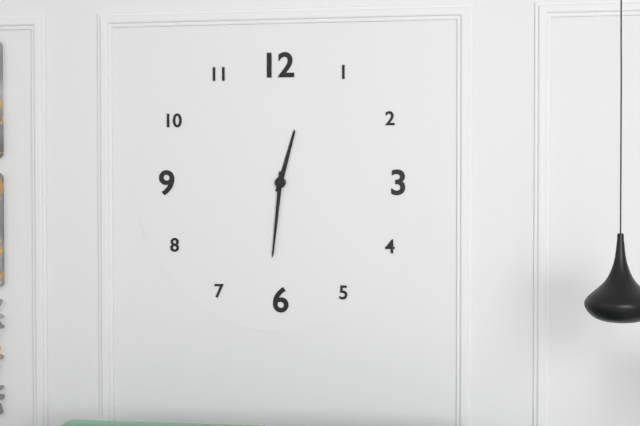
12:31
